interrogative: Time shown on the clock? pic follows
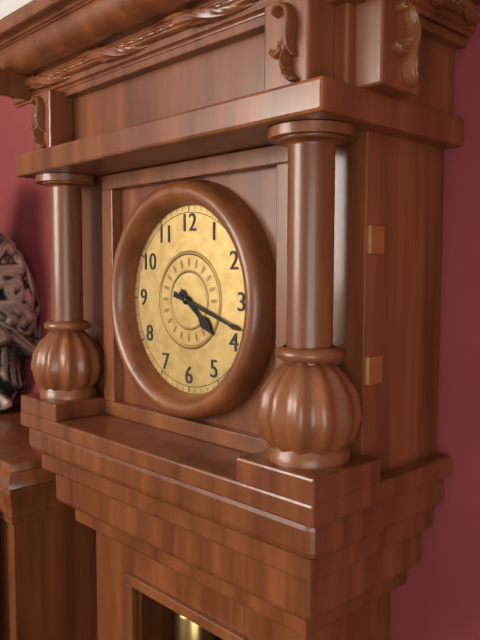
4:18
